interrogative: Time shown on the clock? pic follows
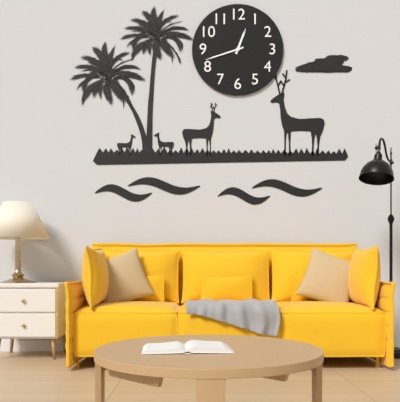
12:42
